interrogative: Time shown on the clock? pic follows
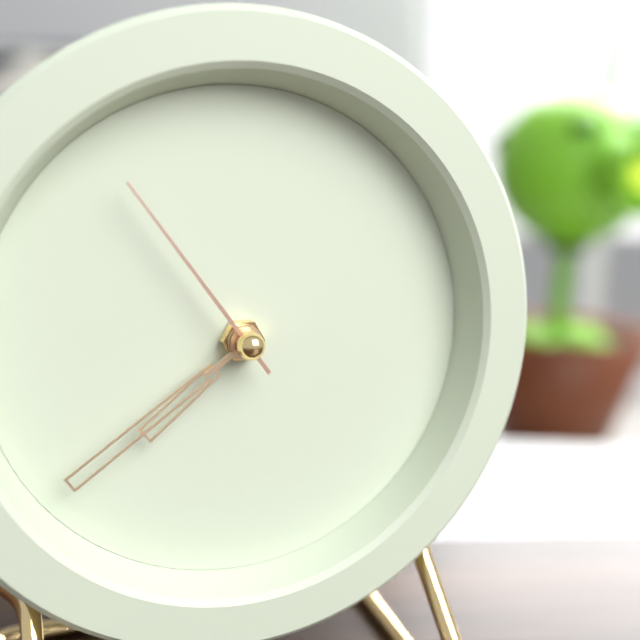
7:39:54
